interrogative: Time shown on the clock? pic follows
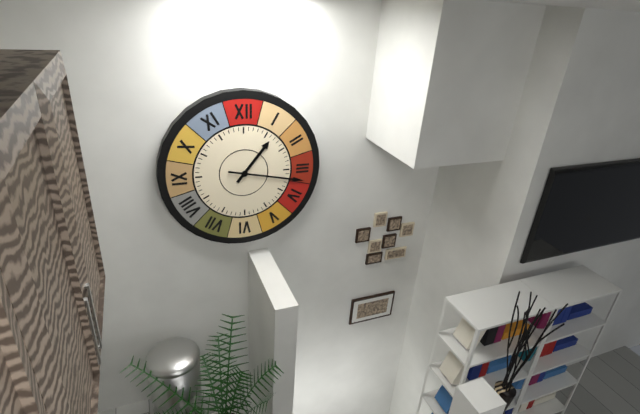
1:17
